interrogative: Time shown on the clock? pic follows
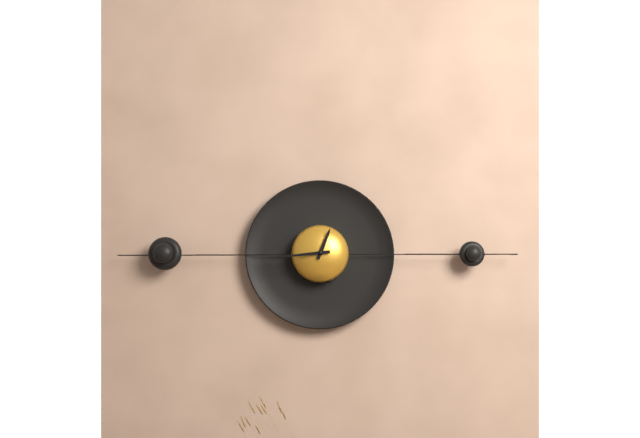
12:44
